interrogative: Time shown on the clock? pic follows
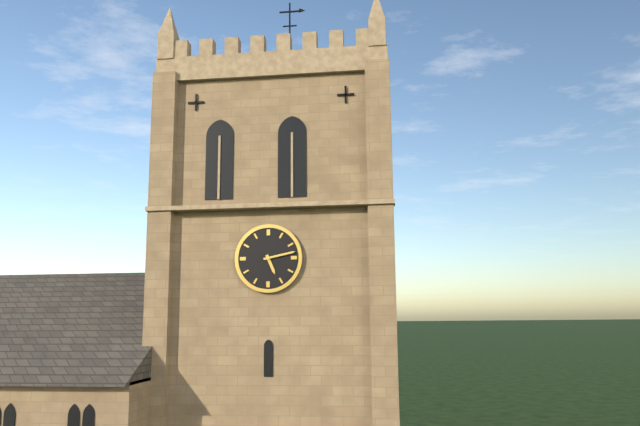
5:13
